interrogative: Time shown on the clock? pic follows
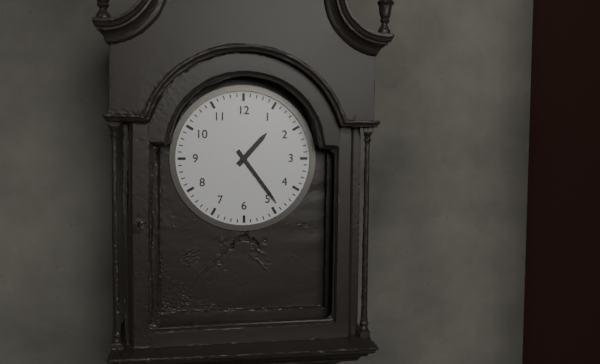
1:24
